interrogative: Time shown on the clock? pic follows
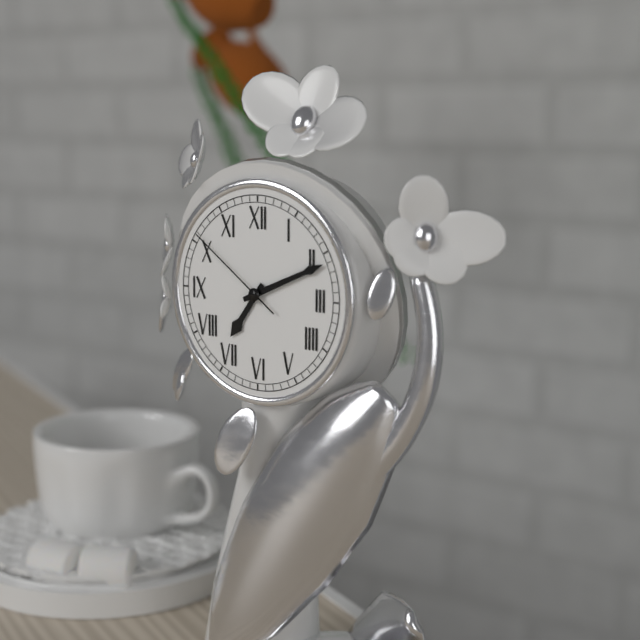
7:11:51
